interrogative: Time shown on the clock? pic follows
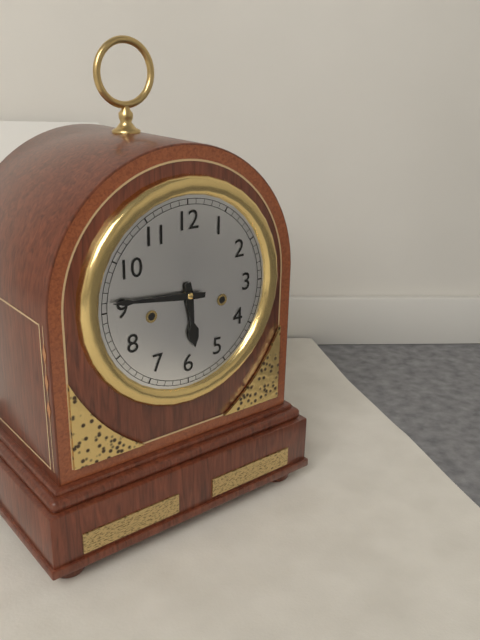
5:46
